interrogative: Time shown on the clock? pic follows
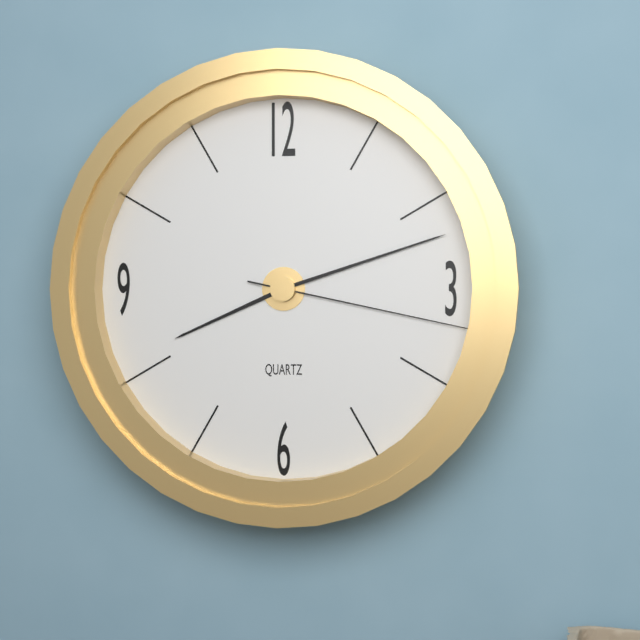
8:12:17
